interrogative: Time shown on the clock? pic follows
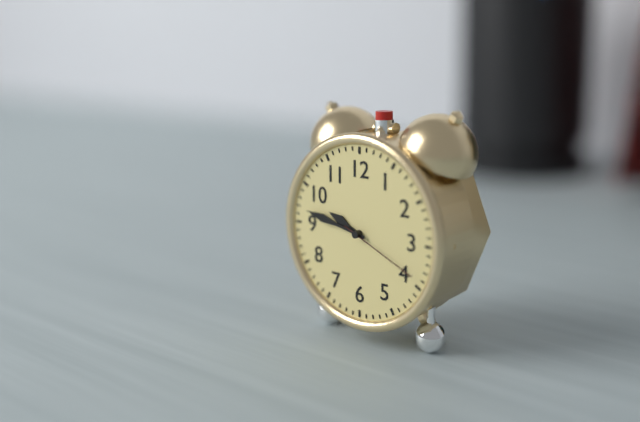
9:47:19
